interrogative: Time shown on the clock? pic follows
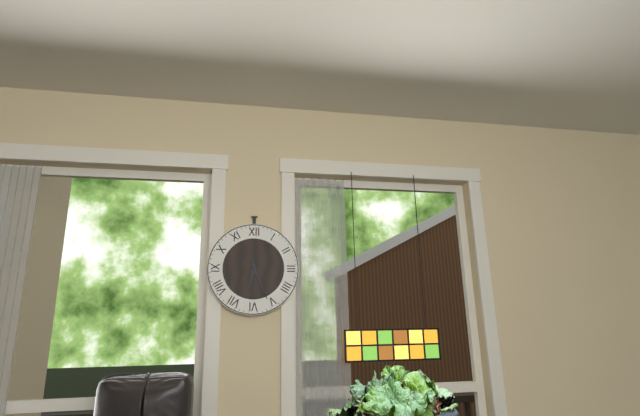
6:26
